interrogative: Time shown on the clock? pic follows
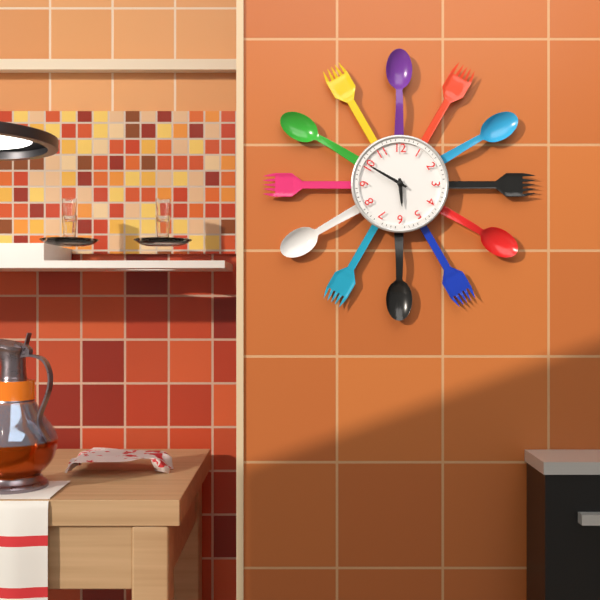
5:50
